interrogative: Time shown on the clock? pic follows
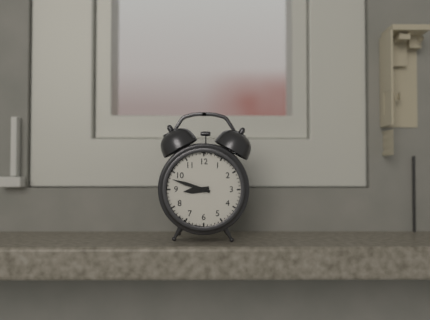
8:48
